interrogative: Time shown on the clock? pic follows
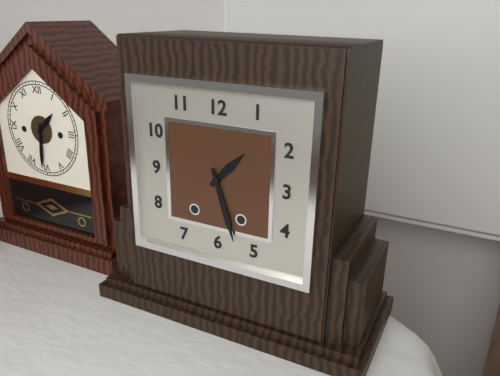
1:27
